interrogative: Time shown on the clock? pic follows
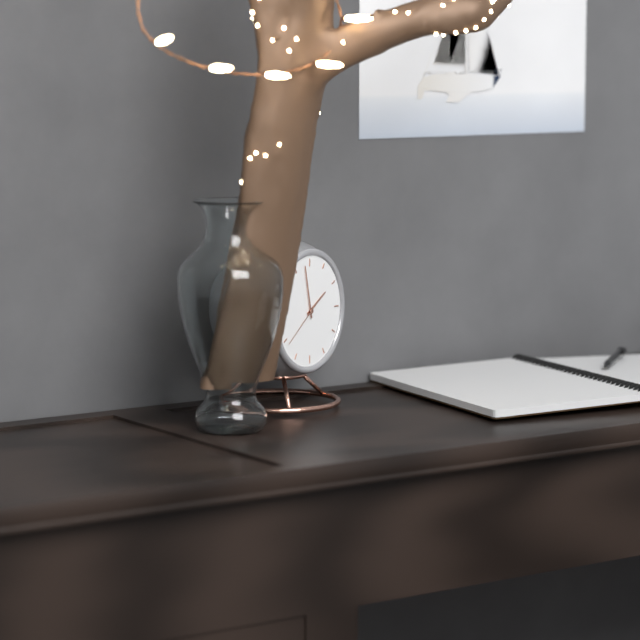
1:58:39
